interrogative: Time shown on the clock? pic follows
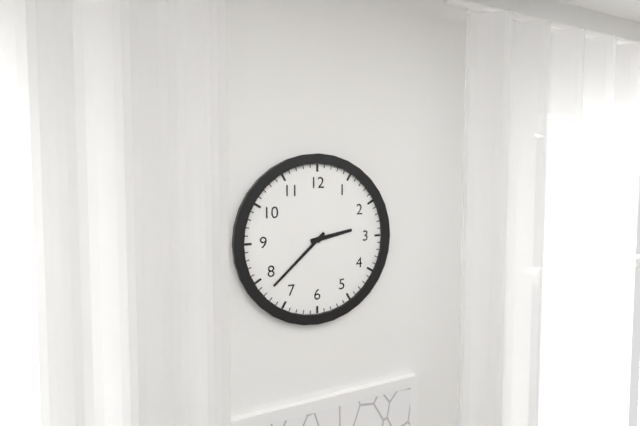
2:38
